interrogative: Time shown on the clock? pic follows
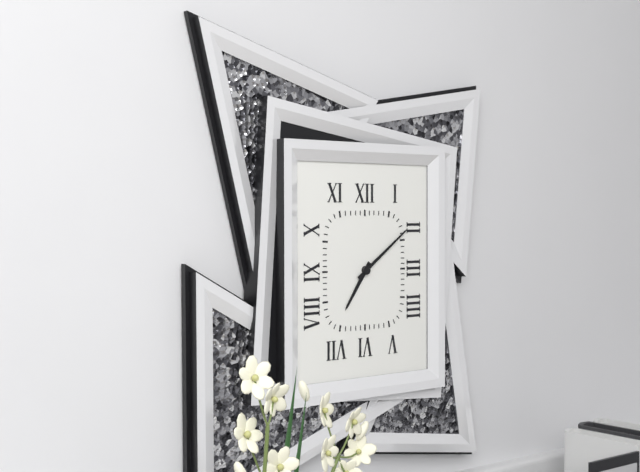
7:09
